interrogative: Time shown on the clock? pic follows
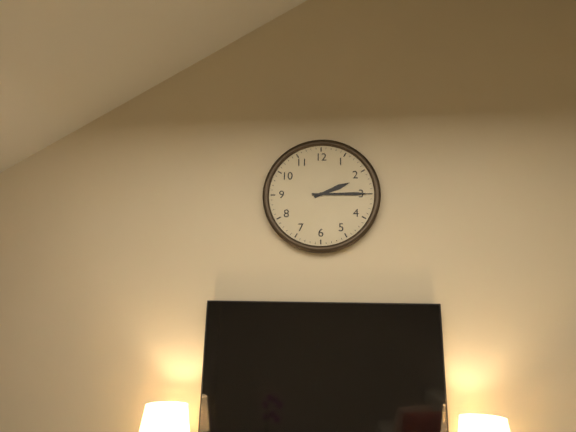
2:15
